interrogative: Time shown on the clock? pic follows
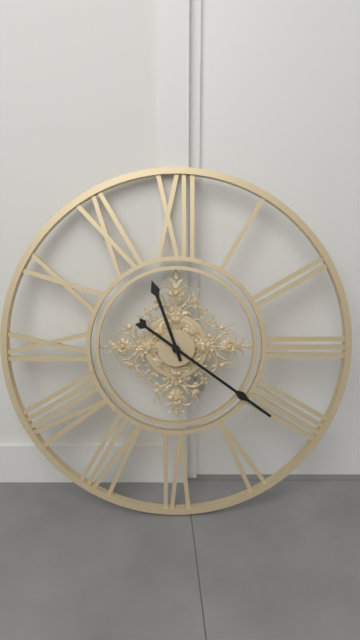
11:21
